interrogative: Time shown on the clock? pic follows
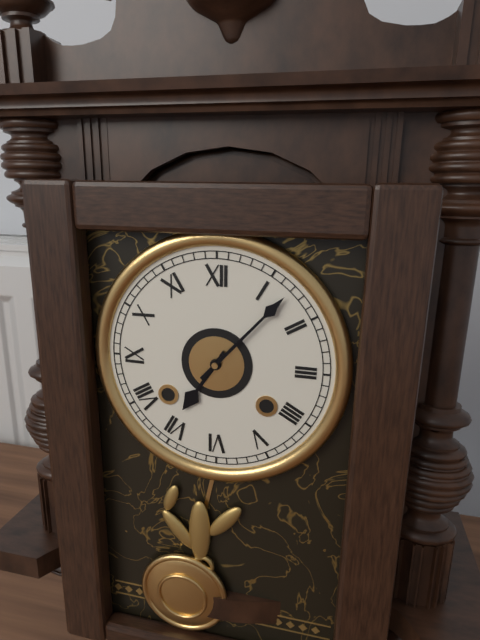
7:07
